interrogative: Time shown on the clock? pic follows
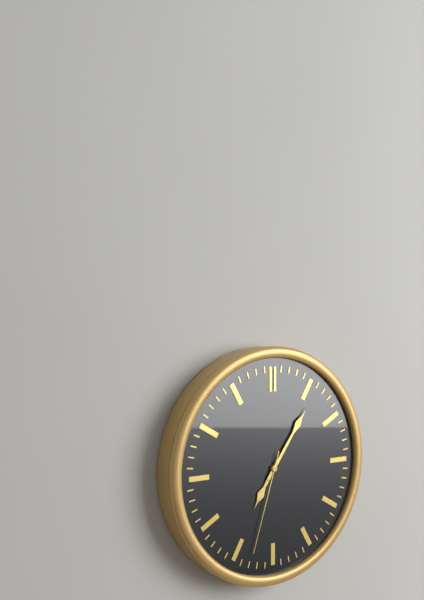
7:06:33
